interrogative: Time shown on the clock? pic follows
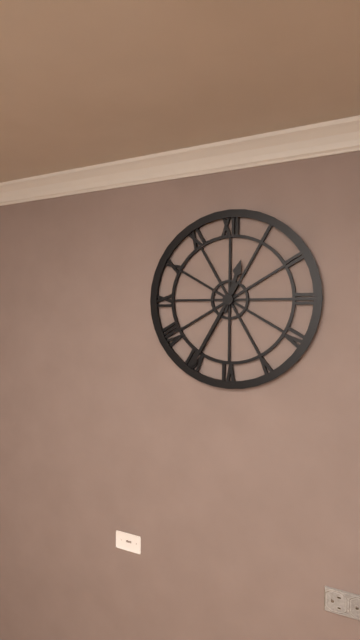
12:35
